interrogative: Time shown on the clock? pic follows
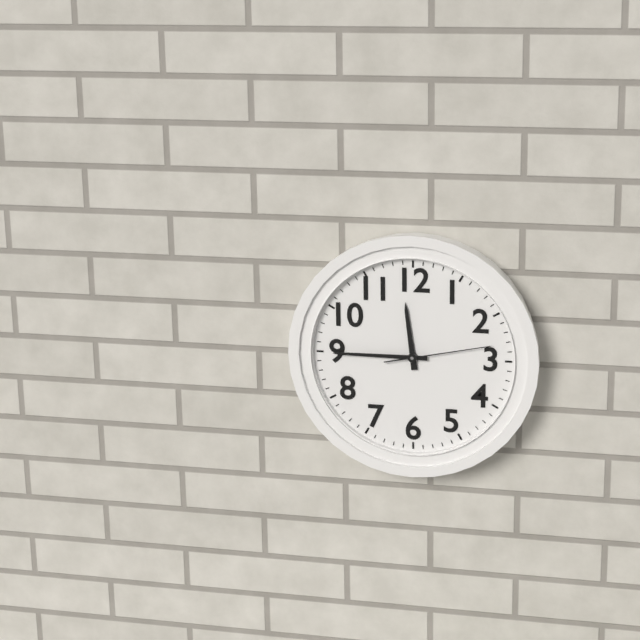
11:45:13
